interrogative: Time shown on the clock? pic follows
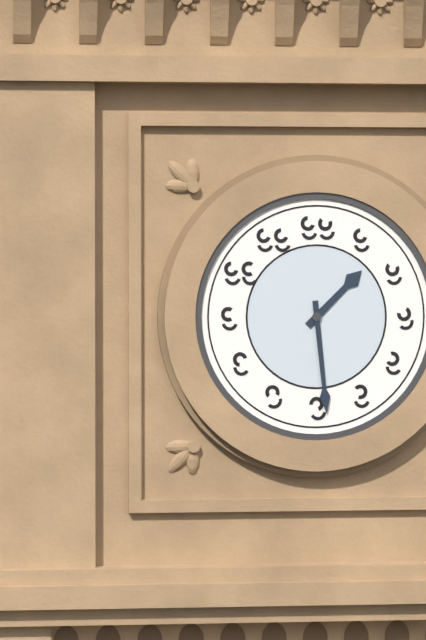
1:29
